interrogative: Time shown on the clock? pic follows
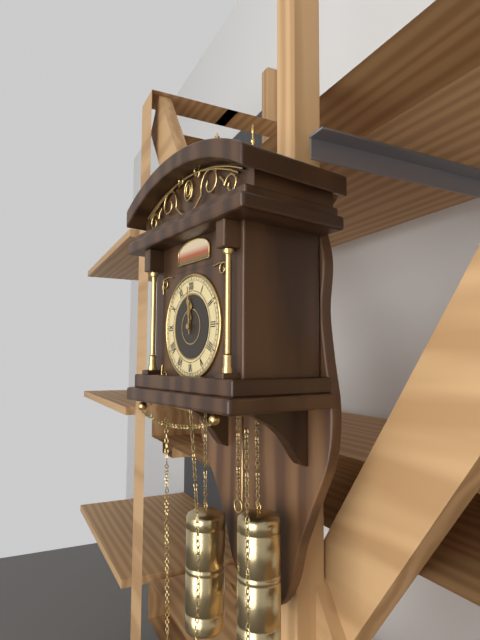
11:59
